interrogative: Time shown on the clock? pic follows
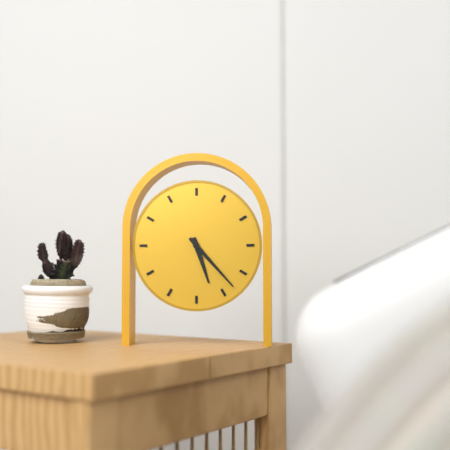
5:23
